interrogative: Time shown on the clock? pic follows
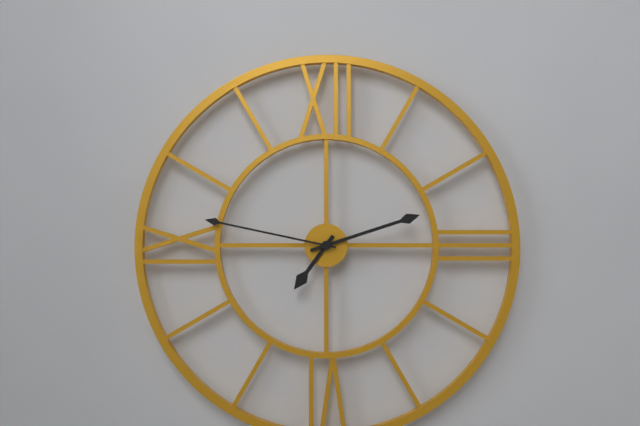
7:12:47
